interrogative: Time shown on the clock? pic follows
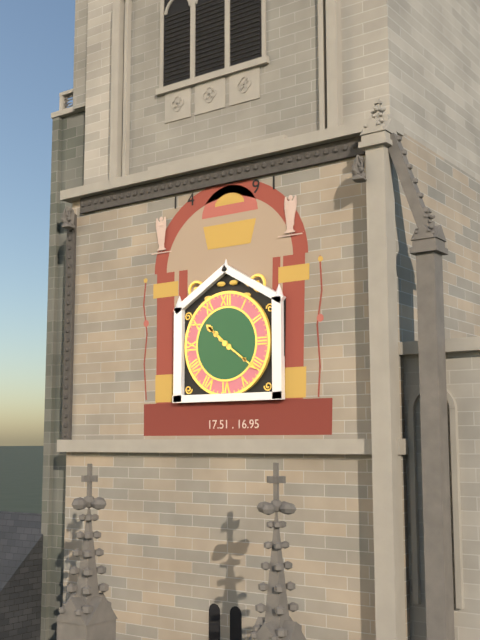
10:21
